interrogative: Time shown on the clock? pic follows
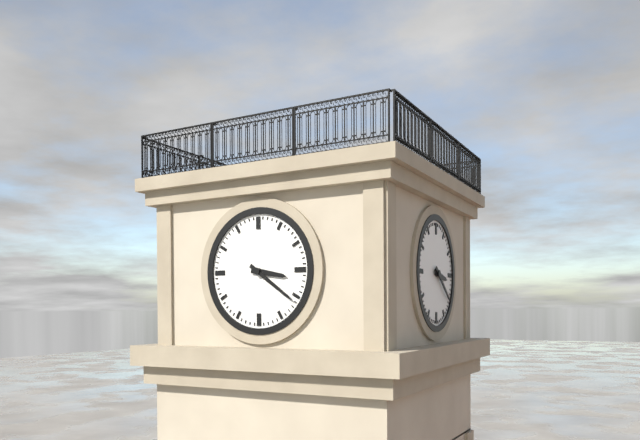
3:21
